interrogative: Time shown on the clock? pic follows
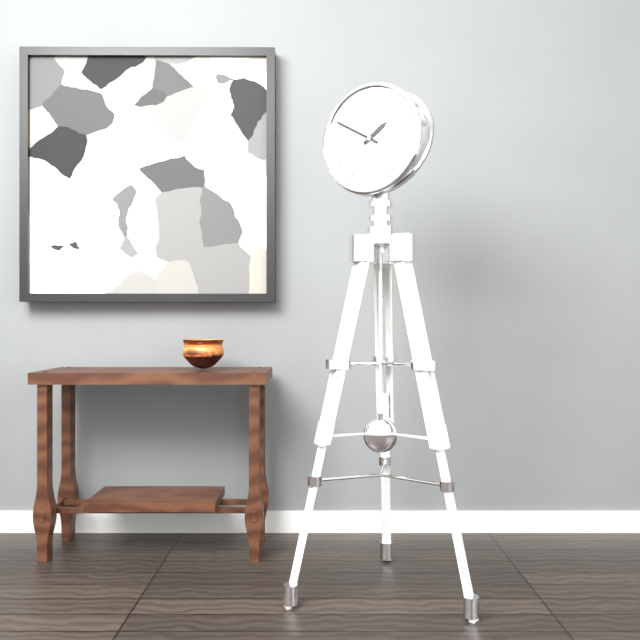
1:50
